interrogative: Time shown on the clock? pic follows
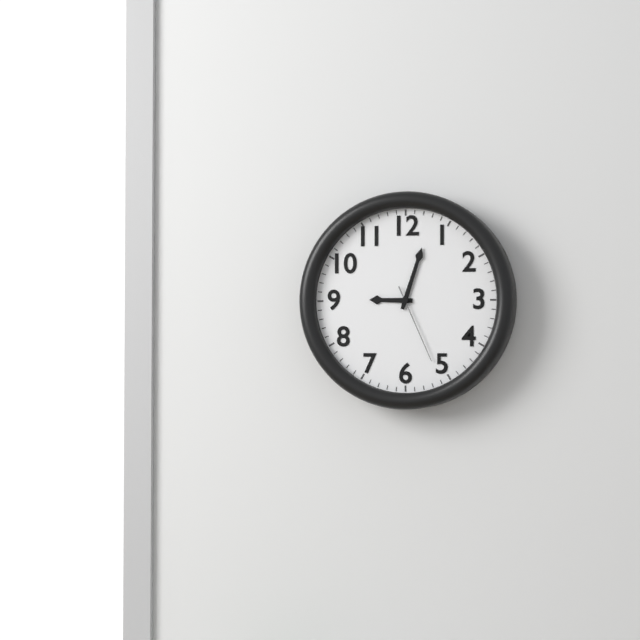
9:03:26
